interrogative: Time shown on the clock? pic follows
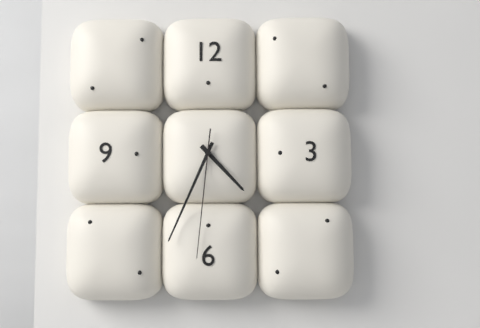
4:34:31
